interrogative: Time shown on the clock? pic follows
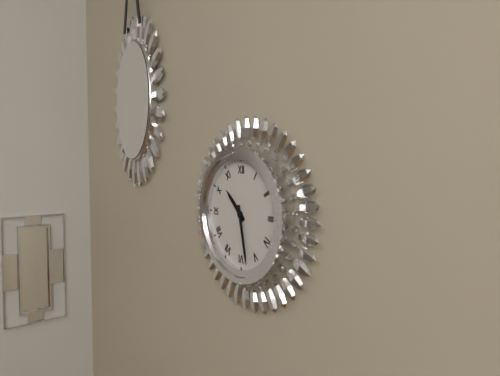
10:28
